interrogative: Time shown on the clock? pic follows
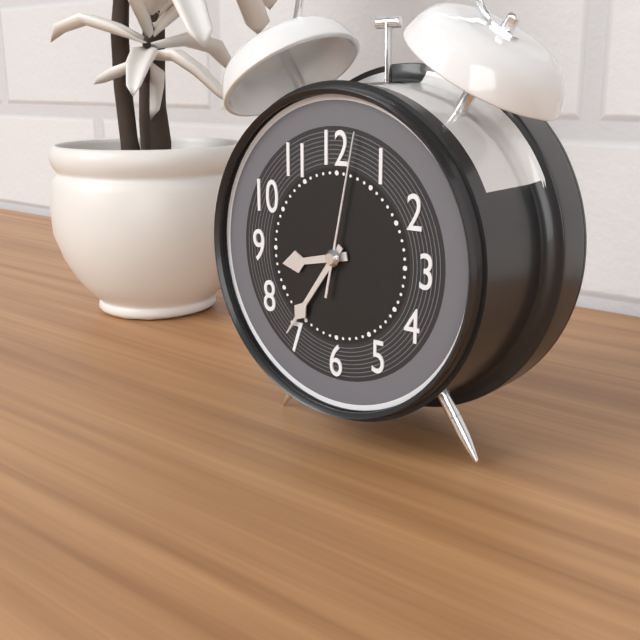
8:36:02
